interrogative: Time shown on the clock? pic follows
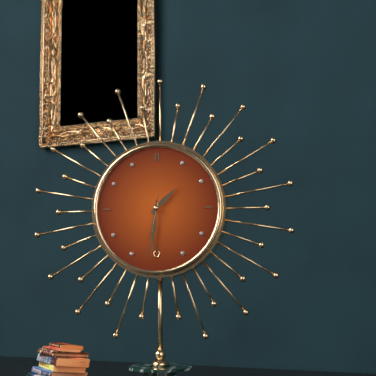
1:31:32
